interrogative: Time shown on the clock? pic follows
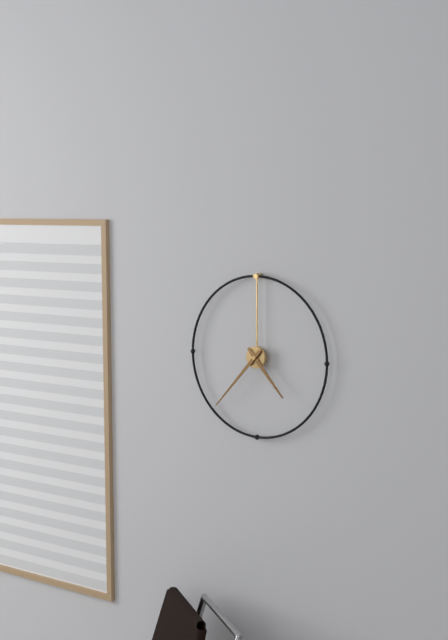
4:37
